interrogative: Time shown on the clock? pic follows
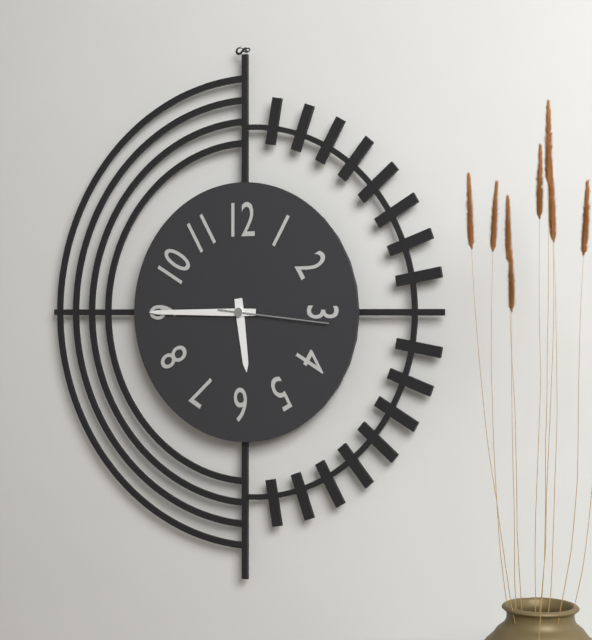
5:45:16
